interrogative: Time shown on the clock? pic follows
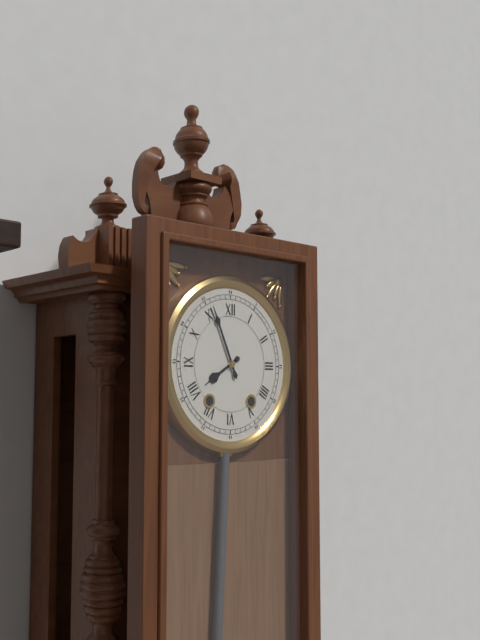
7:56
